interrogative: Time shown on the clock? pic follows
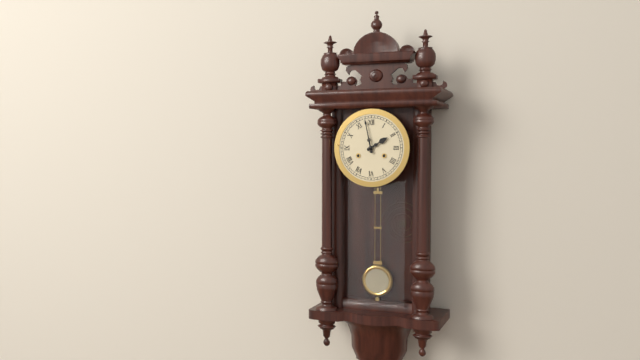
1:58
